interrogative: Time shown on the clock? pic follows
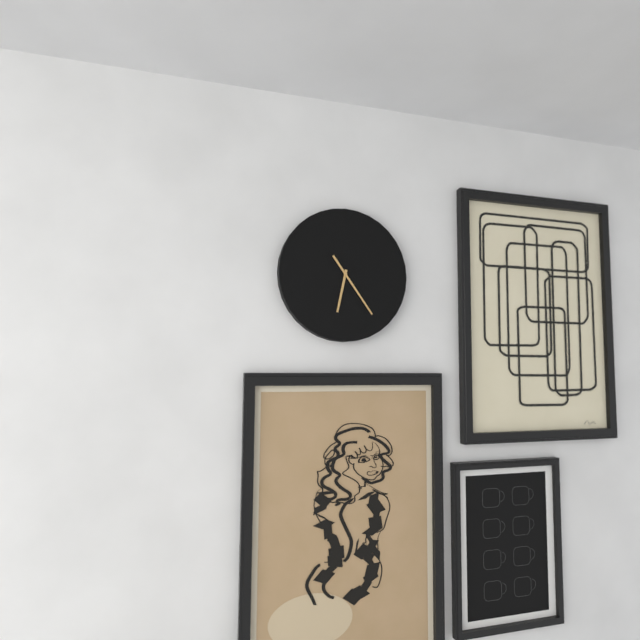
6:24
